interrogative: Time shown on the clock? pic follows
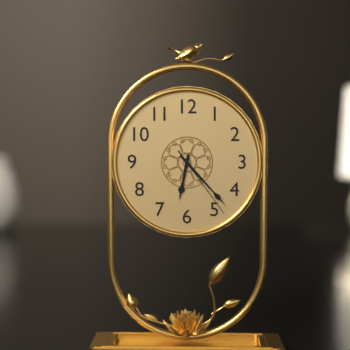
6:23:24
